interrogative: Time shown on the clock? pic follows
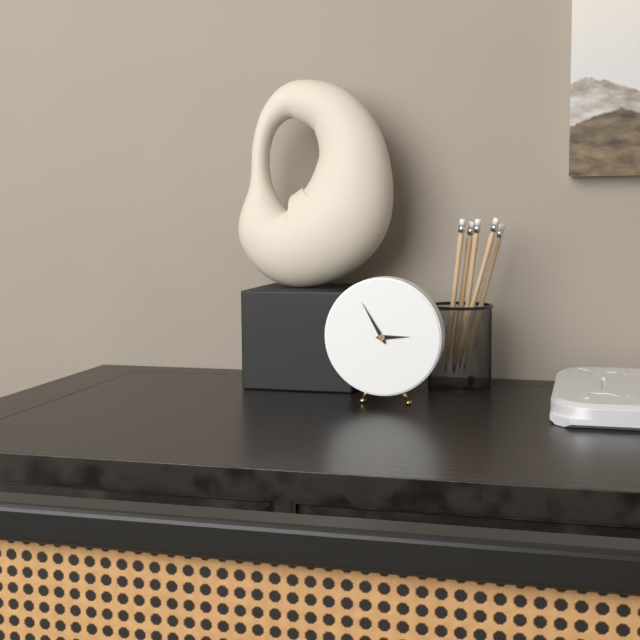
2:55
